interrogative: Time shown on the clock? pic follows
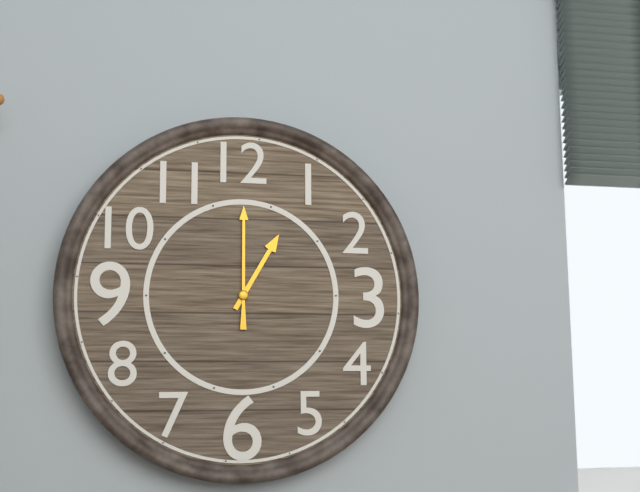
1:00
